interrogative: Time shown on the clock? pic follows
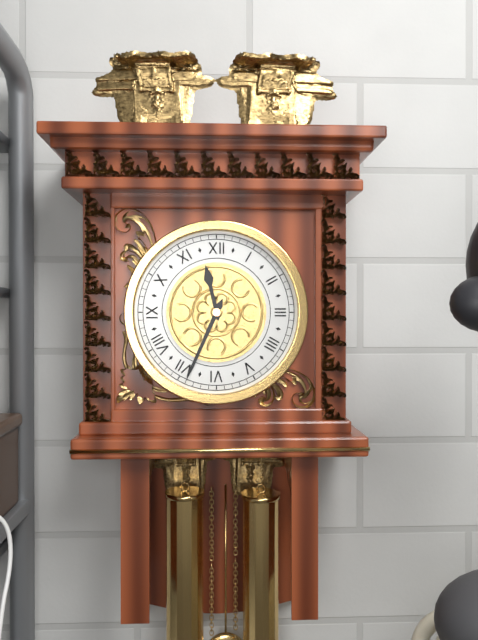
11:34
